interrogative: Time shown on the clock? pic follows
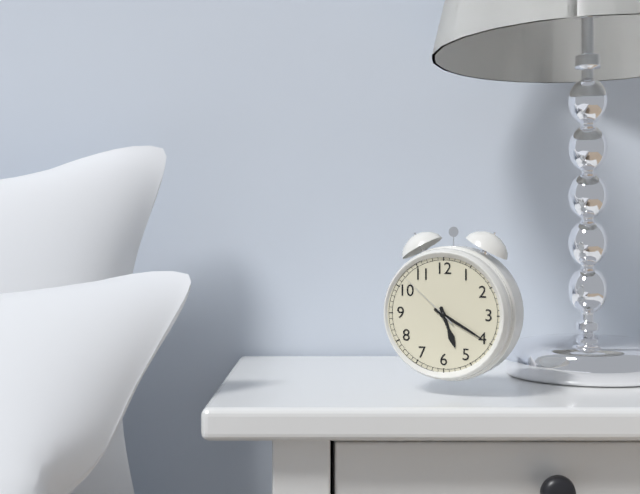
5:20:52
